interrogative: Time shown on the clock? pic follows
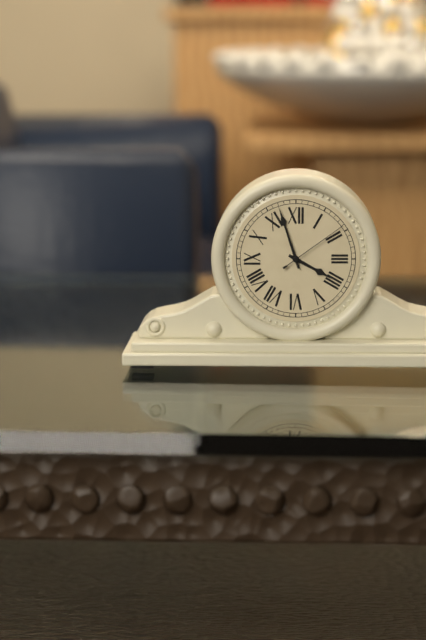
3:57:09
